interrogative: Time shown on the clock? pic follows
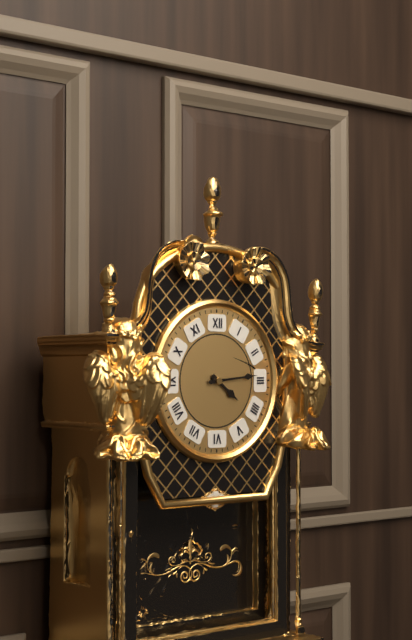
4:14
